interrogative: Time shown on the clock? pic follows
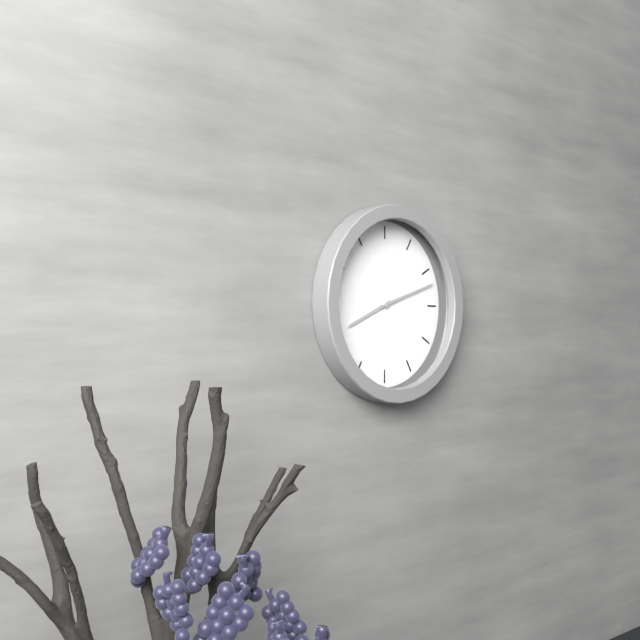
8:12
